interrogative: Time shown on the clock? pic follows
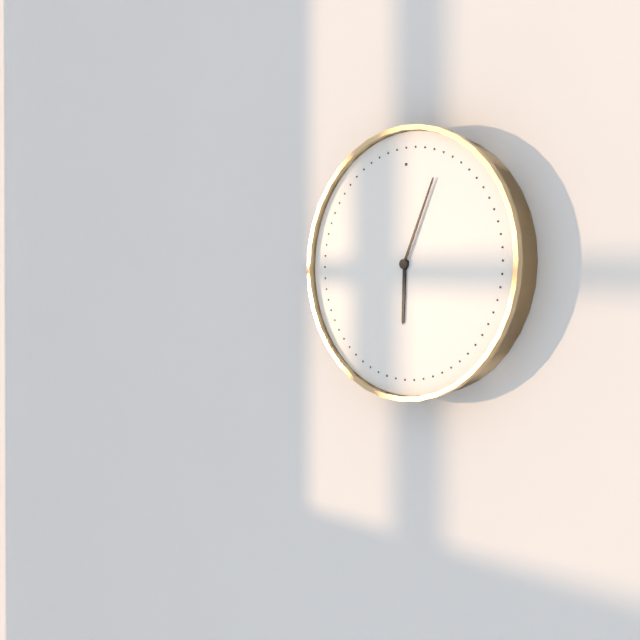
6:04
